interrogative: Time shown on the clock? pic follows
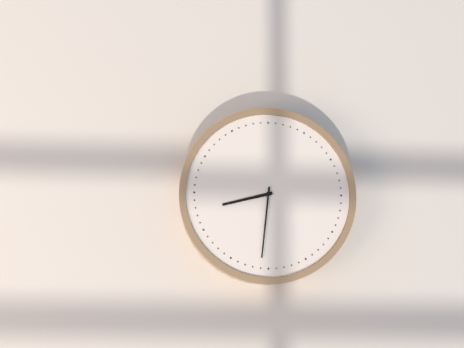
8:31
